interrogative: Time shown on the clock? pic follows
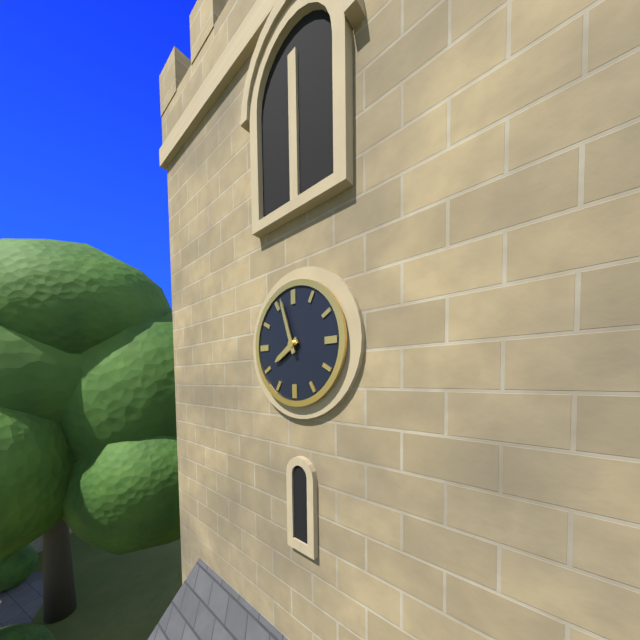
7:57
